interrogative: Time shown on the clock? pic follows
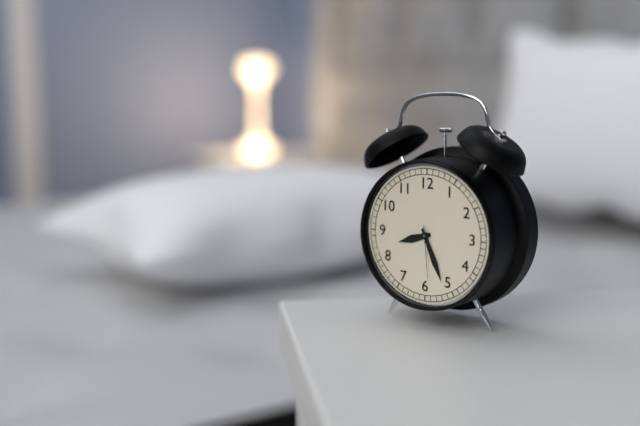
8:26:29
